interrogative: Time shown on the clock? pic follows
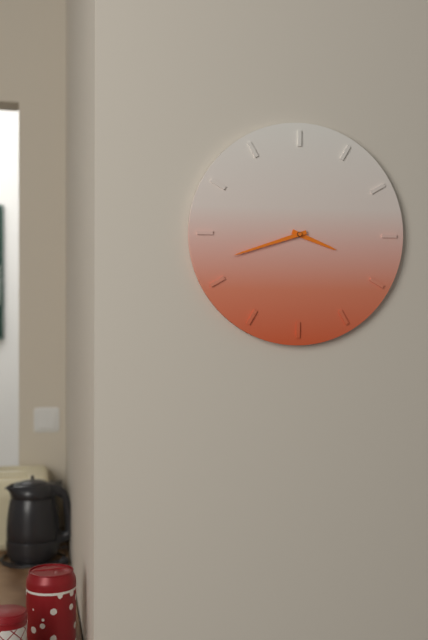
3:42
